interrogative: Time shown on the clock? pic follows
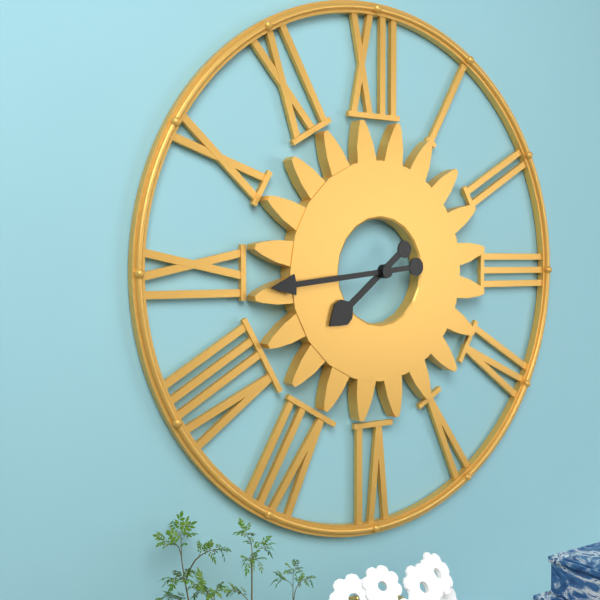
7:44
